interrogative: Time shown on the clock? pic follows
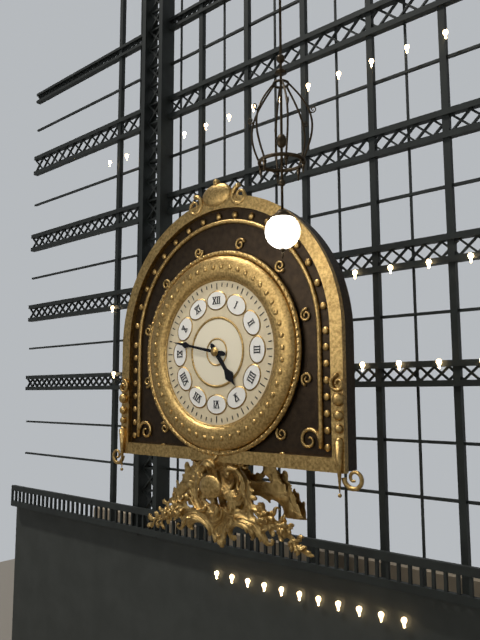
4:47
